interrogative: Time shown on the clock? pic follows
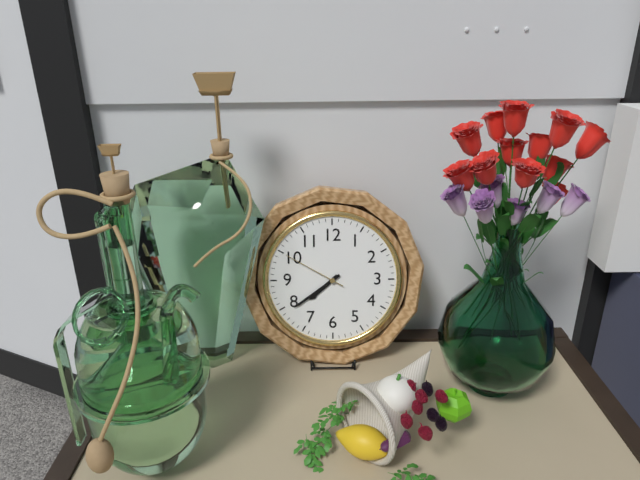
7:39:50
